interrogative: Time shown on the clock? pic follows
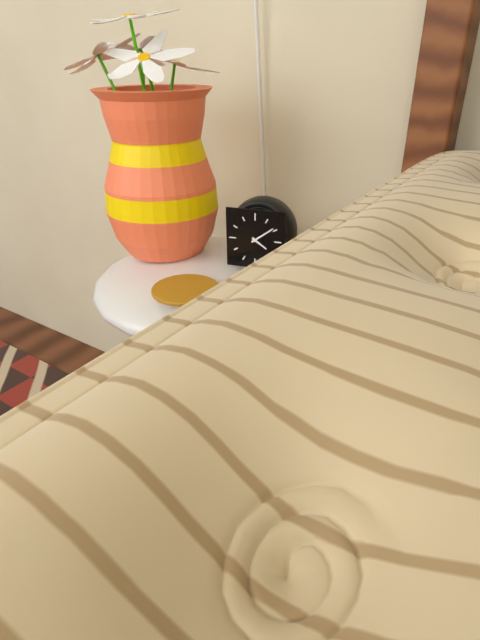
4:09
